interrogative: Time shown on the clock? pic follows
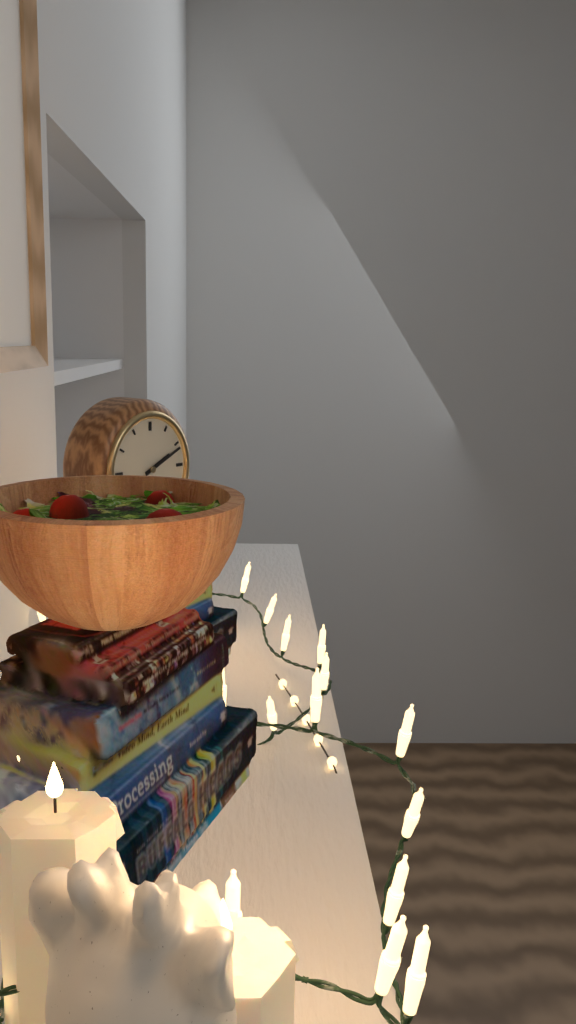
2:11
